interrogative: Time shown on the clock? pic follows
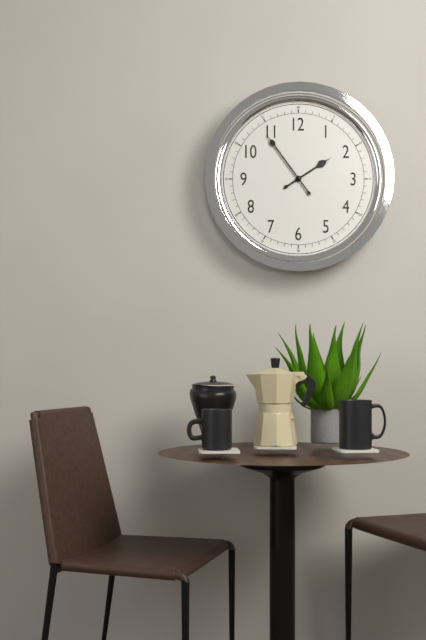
1:54
